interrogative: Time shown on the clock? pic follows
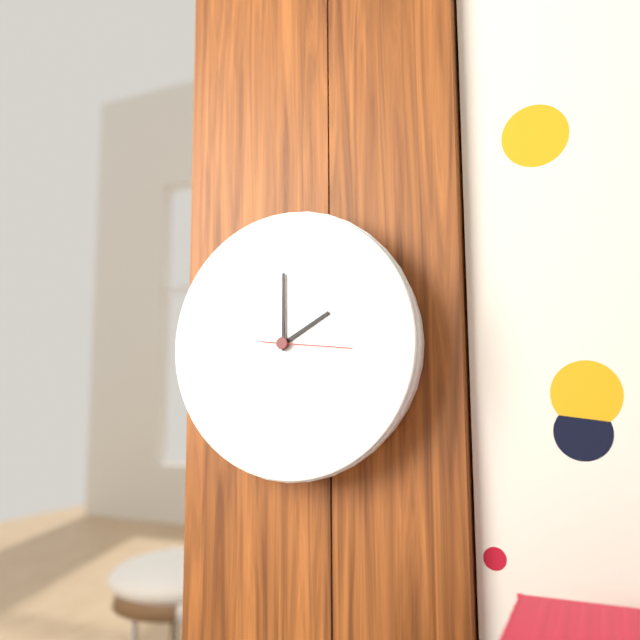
2:00:16
